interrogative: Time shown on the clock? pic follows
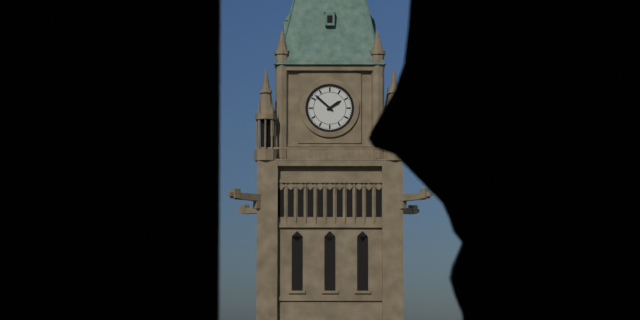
1:52
